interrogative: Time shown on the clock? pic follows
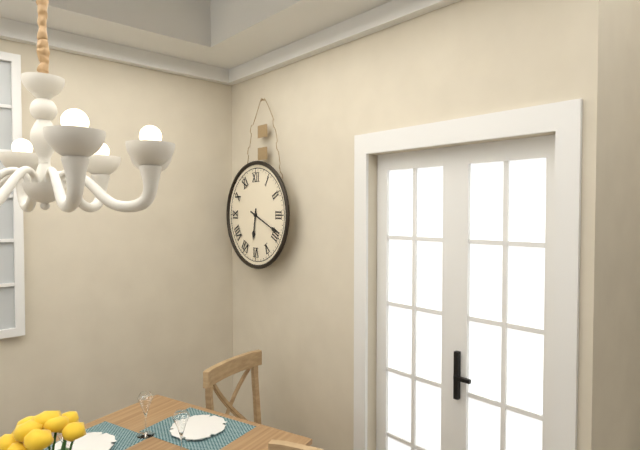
6:19
